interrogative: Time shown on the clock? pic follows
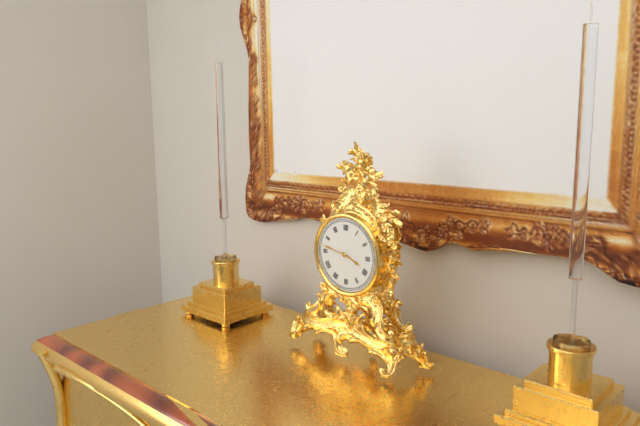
3:47
